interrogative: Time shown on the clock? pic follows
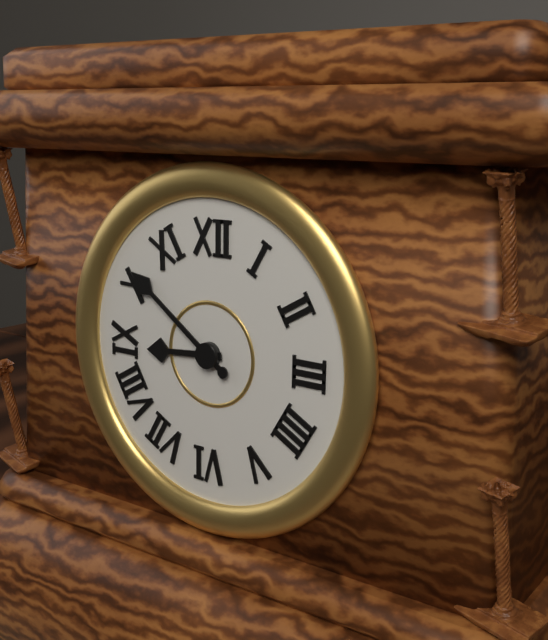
8:51
